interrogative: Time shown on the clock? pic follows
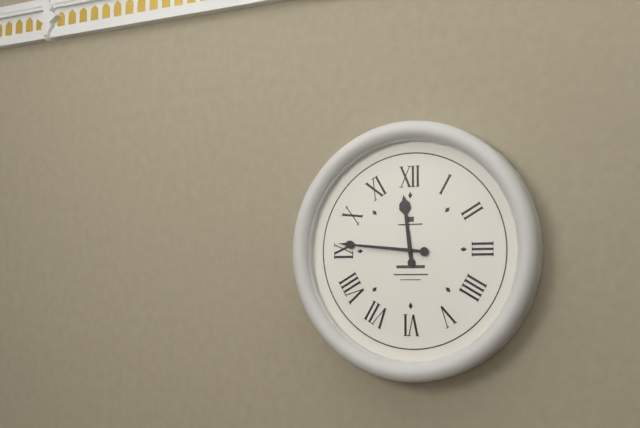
11:46
